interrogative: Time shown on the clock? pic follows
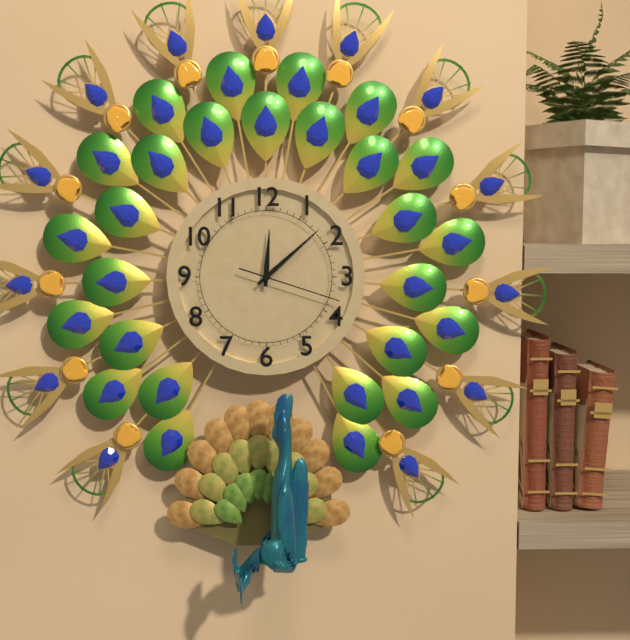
12:08:18
